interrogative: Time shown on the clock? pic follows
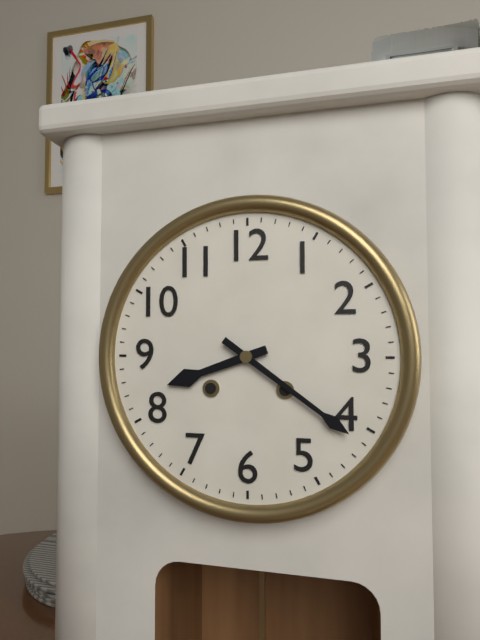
8:21
